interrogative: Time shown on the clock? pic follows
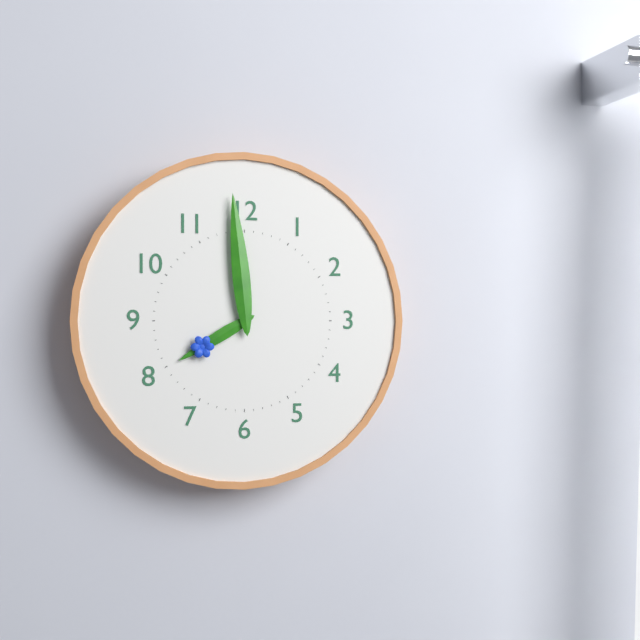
7:59
